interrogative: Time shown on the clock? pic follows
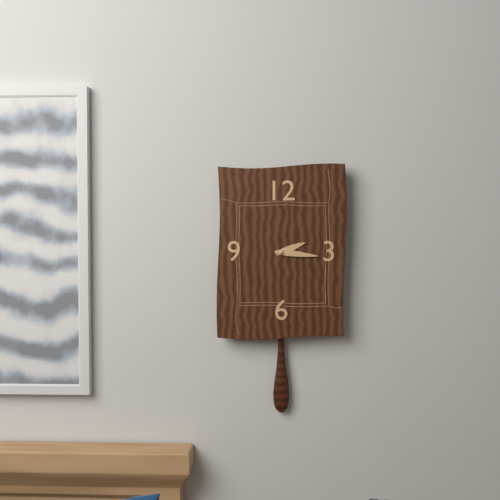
2:16
